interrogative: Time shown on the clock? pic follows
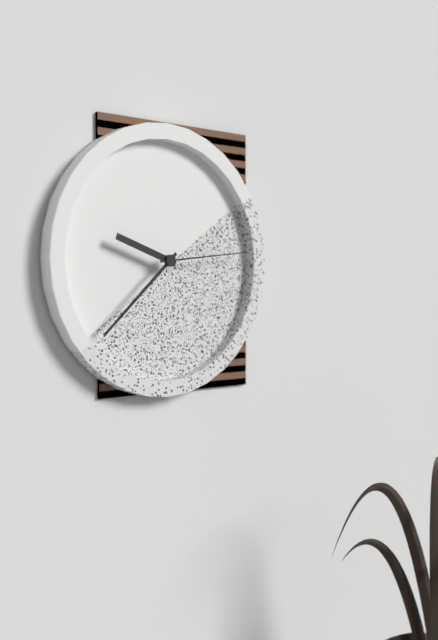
9:38:14
